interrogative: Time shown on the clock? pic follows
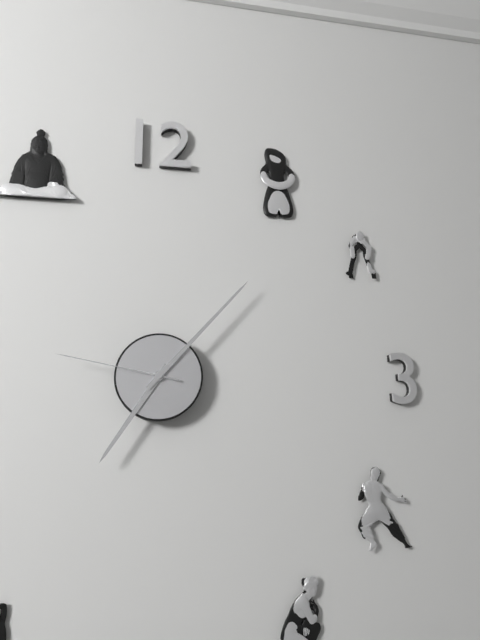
7:07:47
